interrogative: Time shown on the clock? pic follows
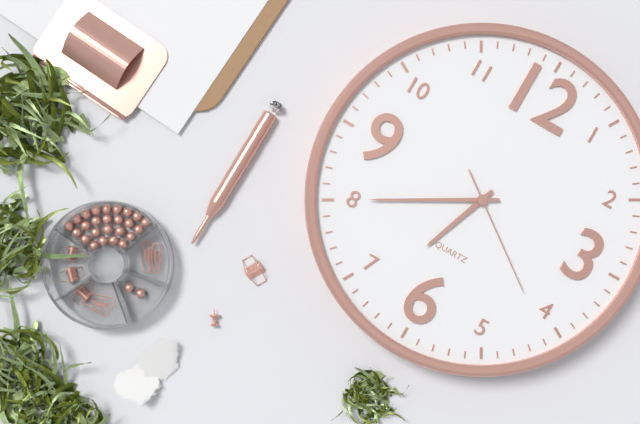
6:40:21
